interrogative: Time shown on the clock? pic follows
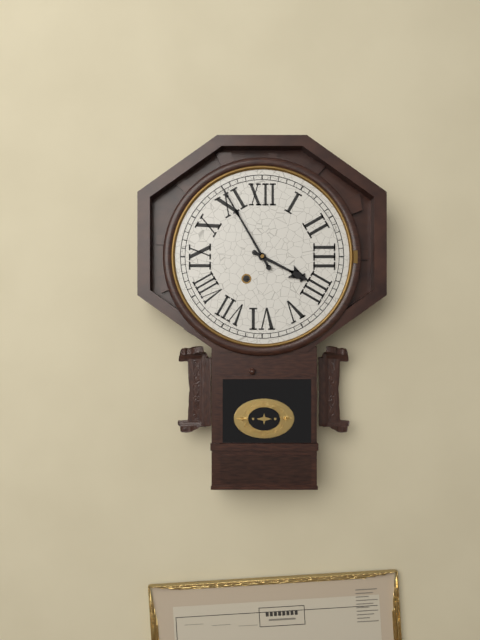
3:55
